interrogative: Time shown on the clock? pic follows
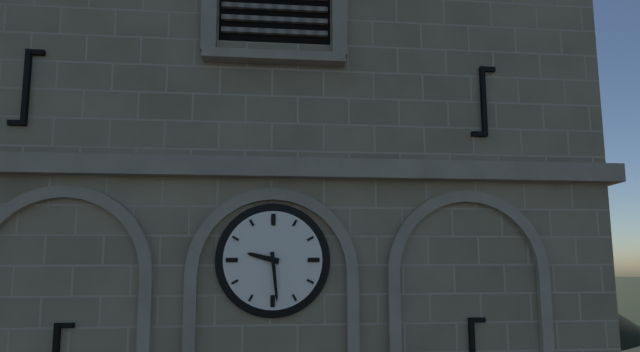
9:29
